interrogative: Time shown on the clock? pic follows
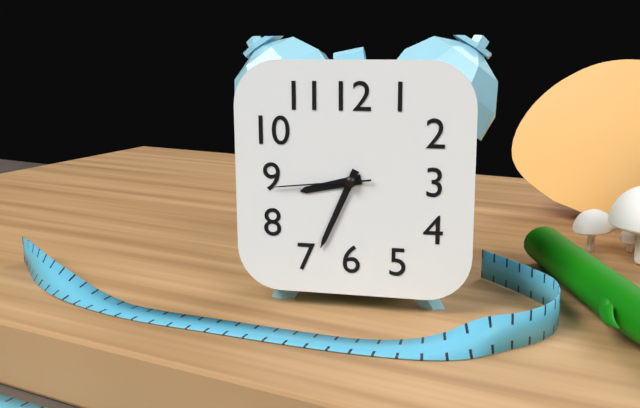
8:34:44
